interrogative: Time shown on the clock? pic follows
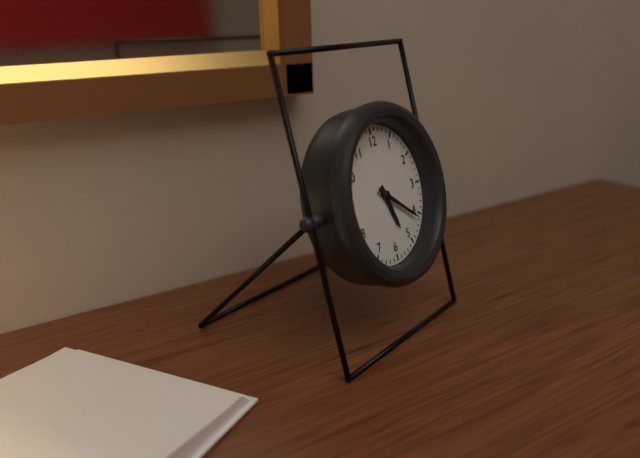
5:21
